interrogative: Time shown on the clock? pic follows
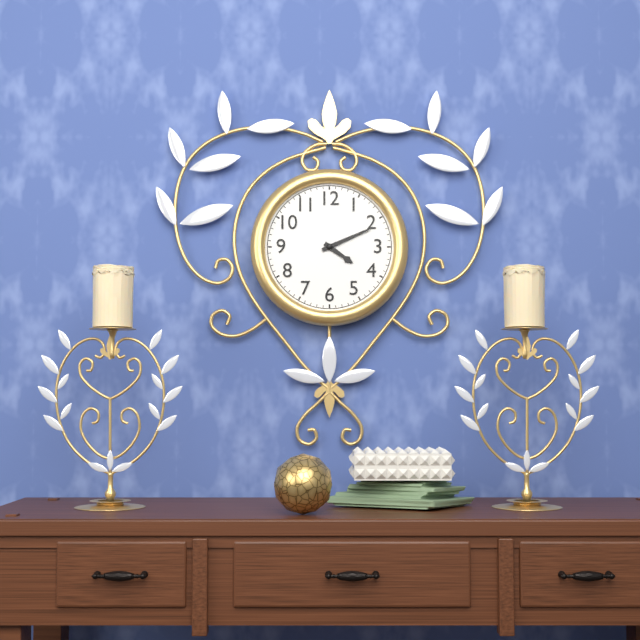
4:11
